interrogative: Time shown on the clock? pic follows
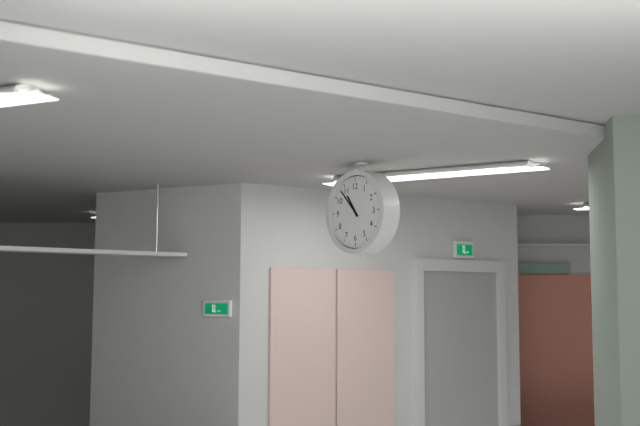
10:53
